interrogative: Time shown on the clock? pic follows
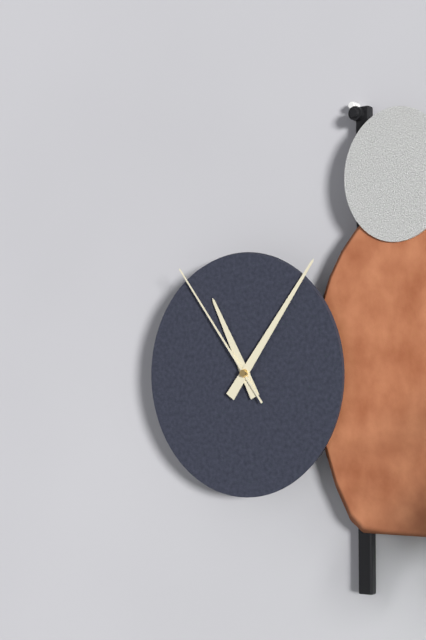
11:06:54
